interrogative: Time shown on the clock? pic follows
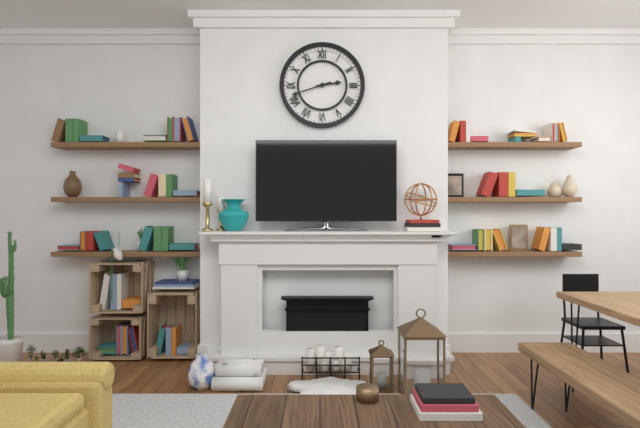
2:42
